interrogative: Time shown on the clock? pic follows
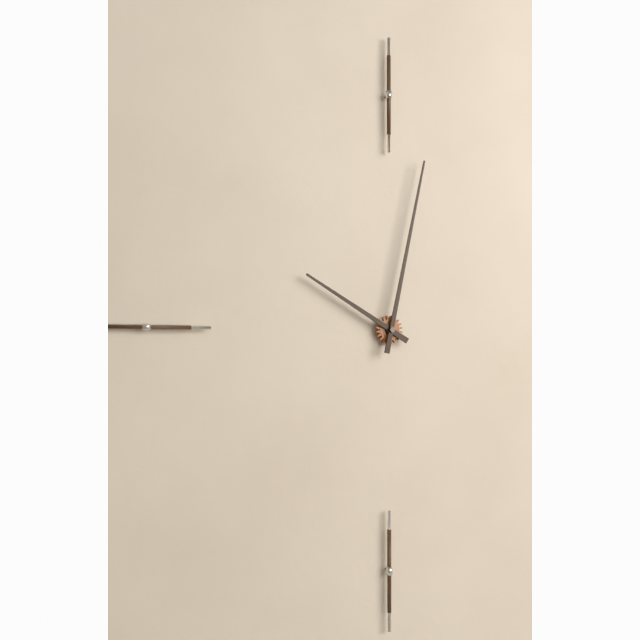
10:02
